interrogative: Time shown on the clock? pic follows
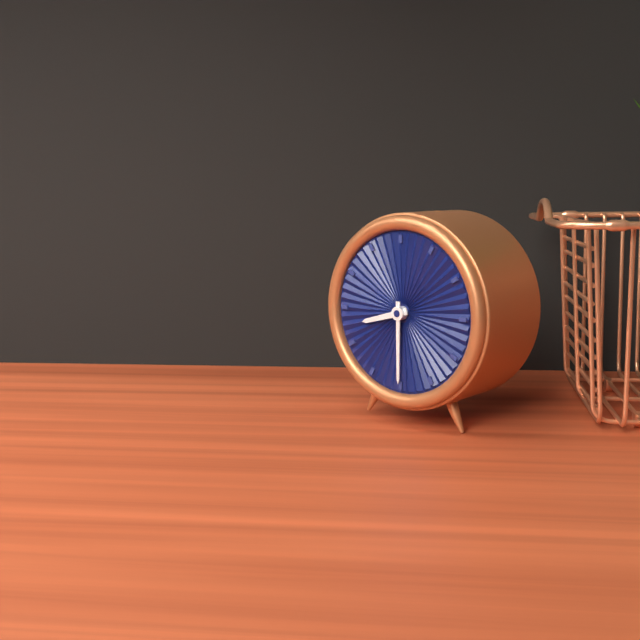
8:30
